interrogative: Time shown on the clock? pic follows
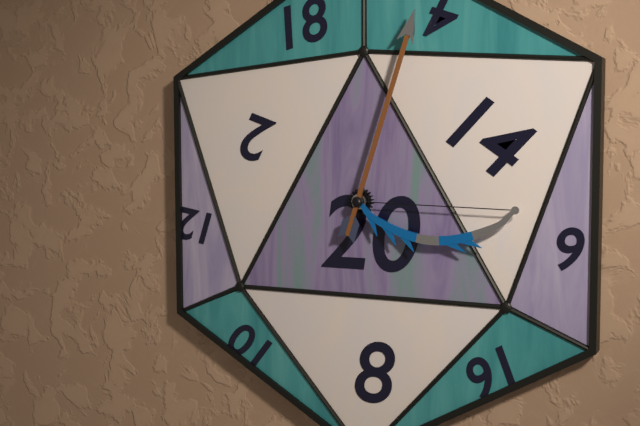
3:03
